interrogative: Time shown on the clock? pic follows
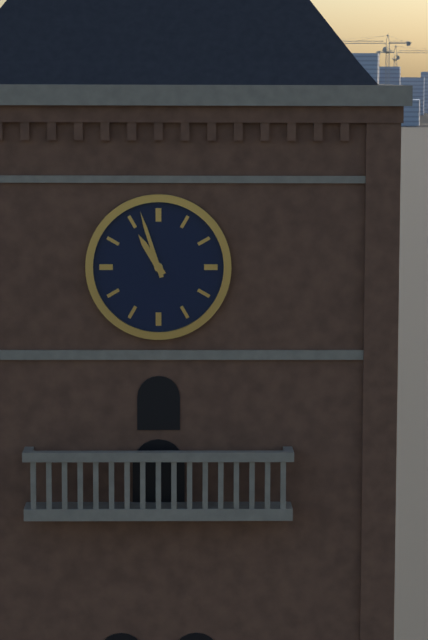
10:57
